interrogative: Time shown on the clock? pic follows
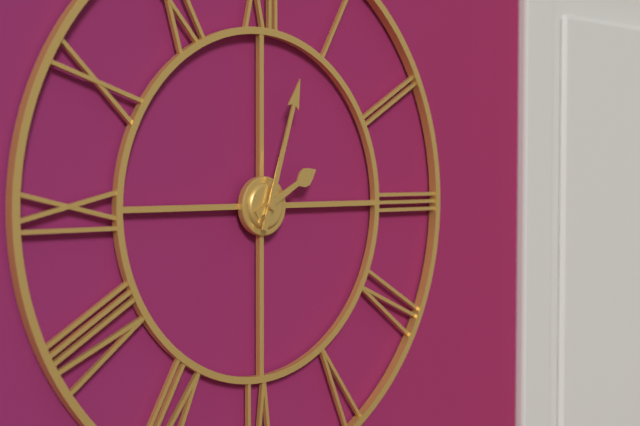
2:03
